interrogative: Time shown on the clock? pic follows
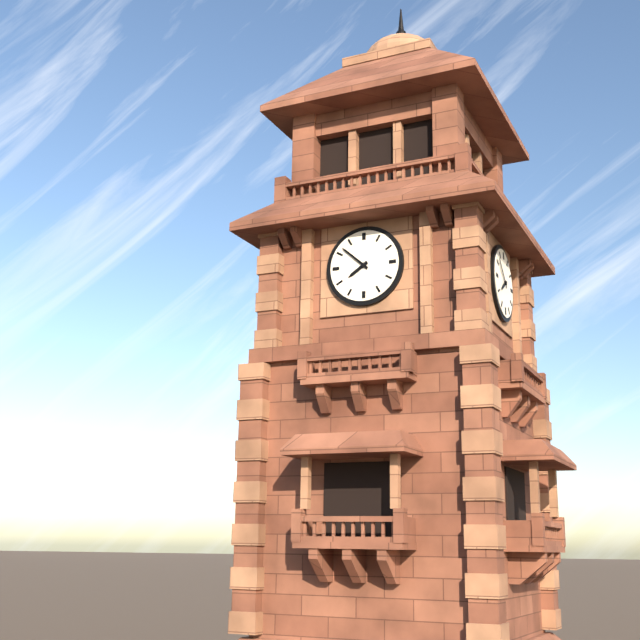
7:52
